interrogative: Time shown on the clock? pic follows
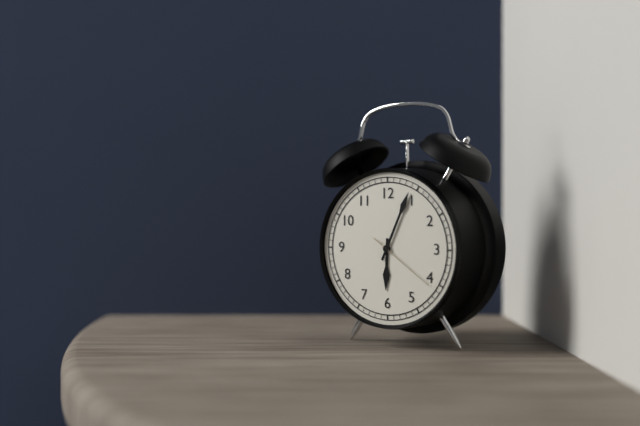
6:04:21
